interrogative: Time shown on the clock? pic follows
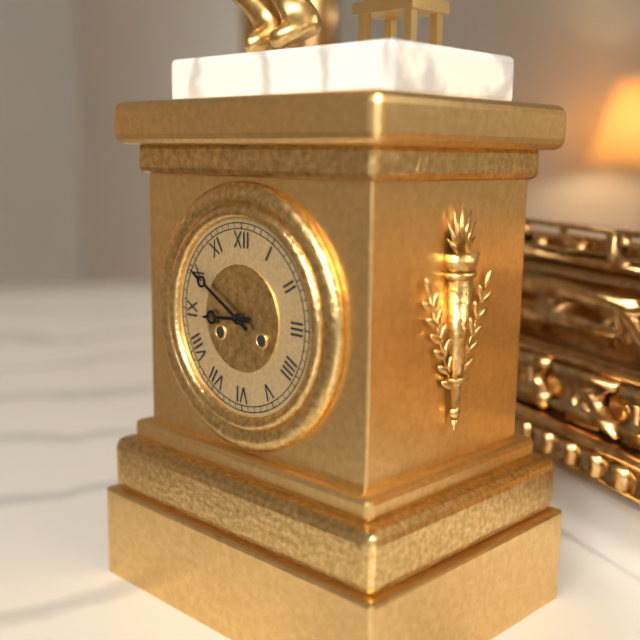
8:50
